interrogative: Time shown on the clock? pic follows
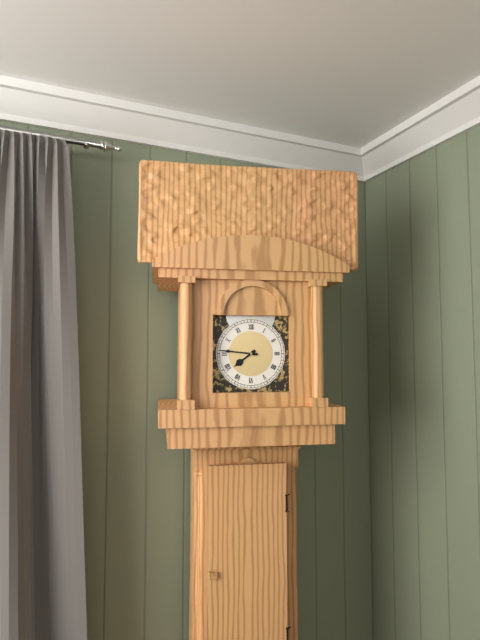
7:46
